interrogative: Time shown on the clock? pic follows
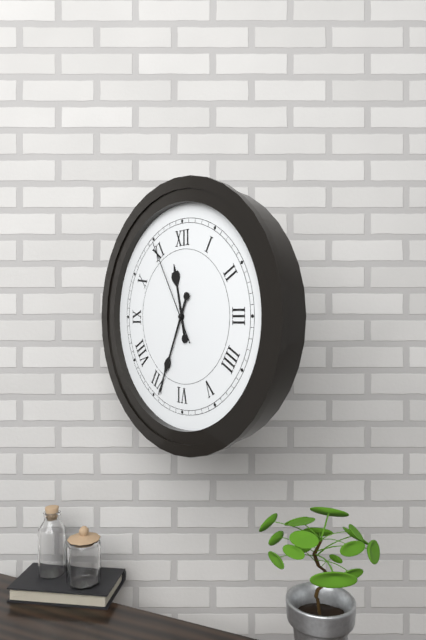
11:34:55
